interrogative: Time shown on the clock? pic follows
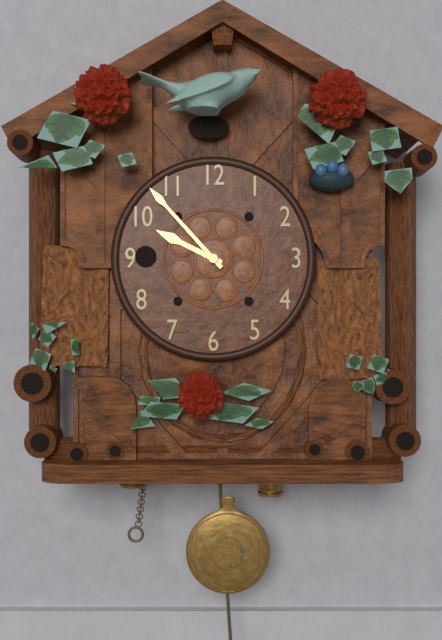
9:53
